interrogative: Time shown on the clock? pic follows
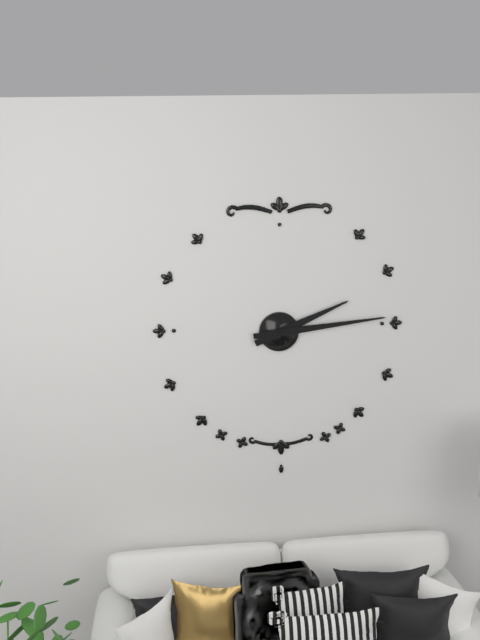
2:14
